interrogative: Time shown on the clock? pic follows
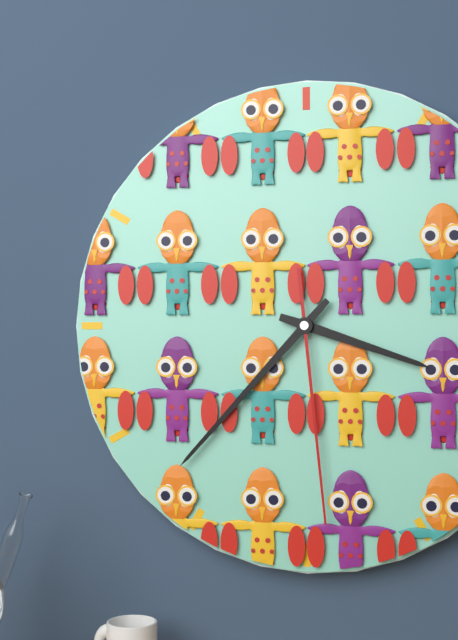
3:37:29
